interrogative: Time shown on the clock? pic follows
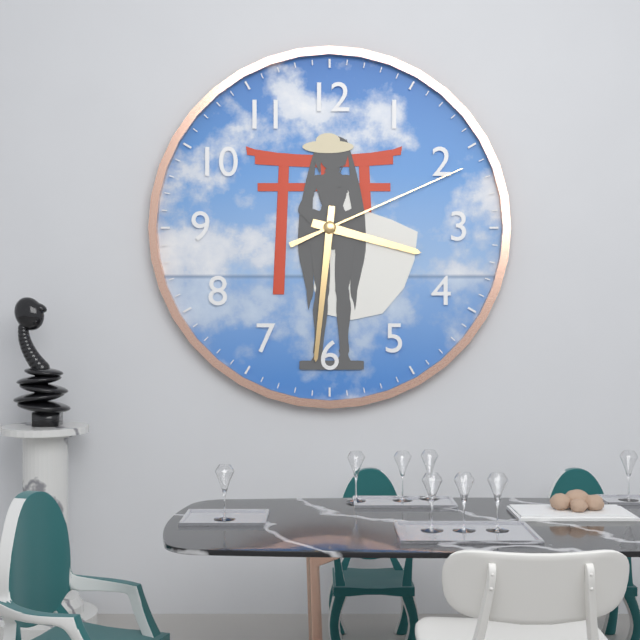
3:31:11
